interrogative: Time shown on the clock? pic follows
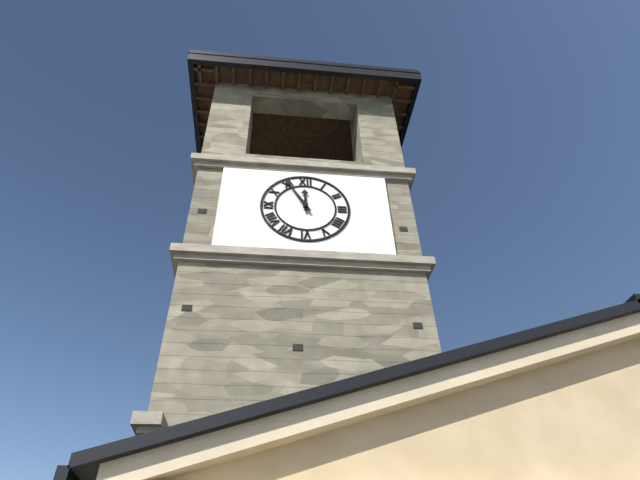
11:55
